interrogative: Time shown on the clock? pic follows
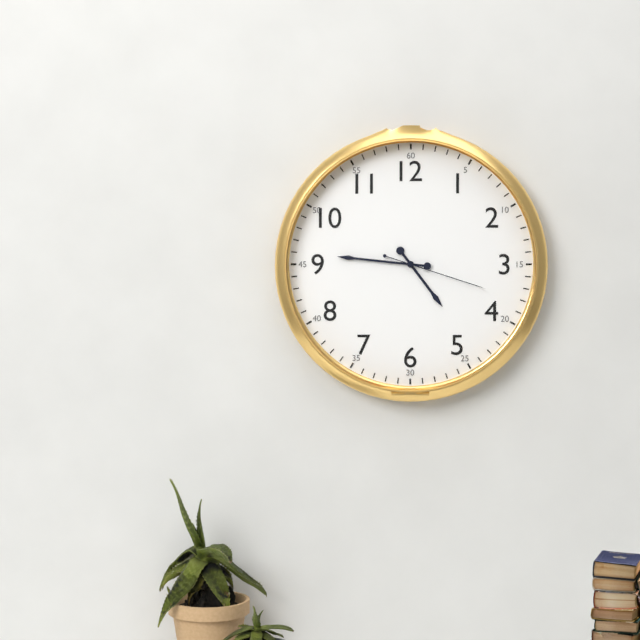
4:46:18
